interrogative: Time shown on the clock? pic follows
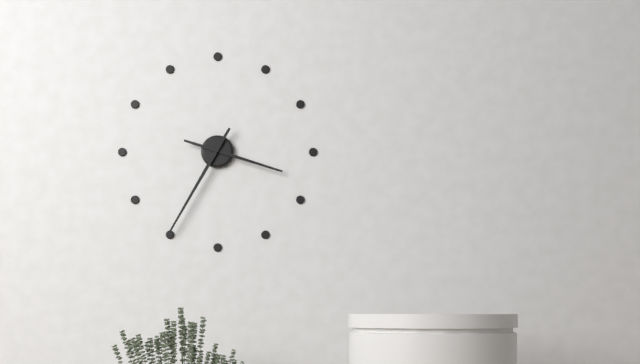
3:35
